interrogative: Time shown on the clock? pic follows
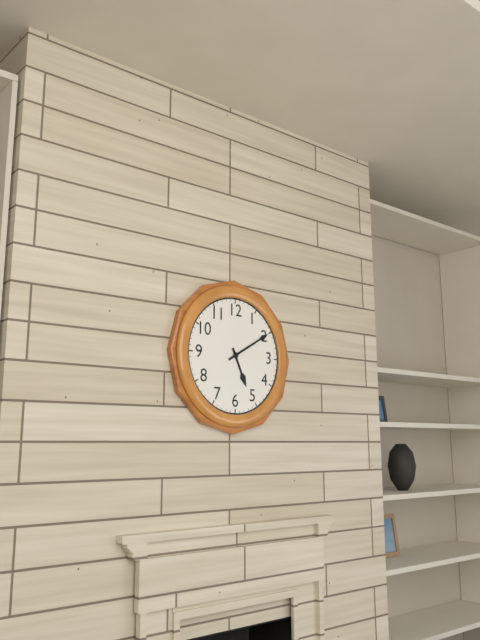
5:10
